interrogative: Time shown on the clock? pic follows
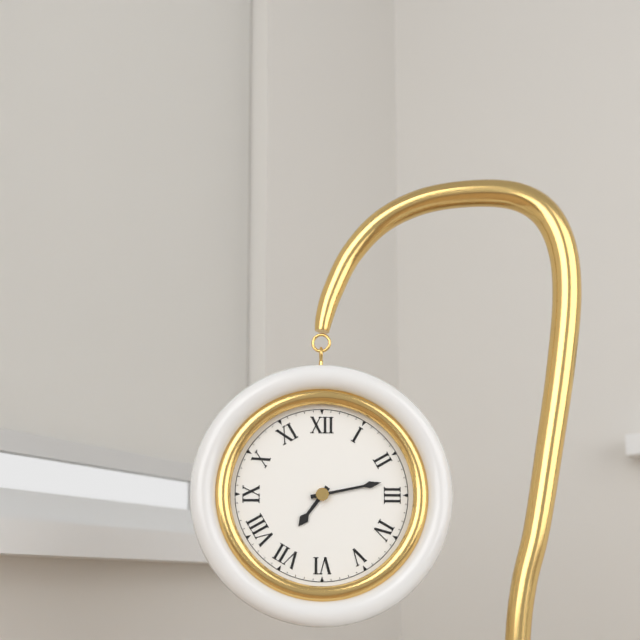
7:13
